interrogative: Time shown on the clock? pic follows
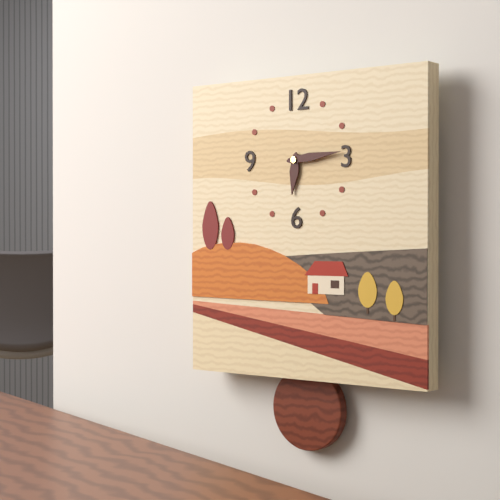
6:14
